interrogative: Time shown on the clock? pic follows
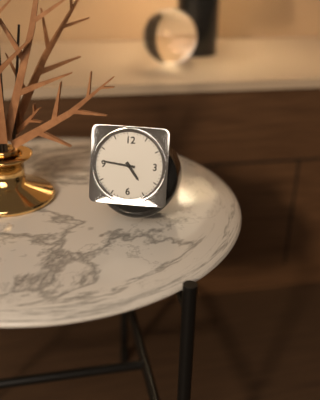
4:46
